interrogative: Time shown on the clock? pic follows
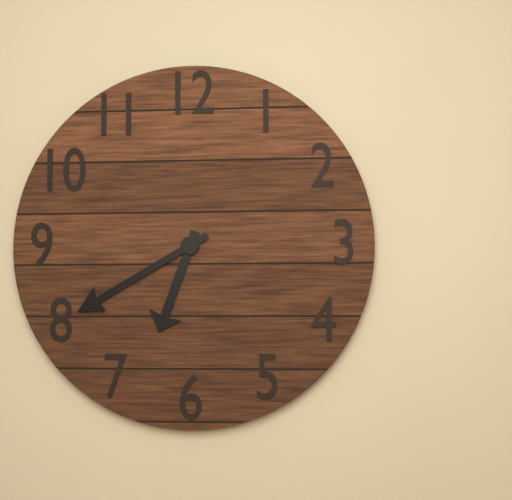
6:40
